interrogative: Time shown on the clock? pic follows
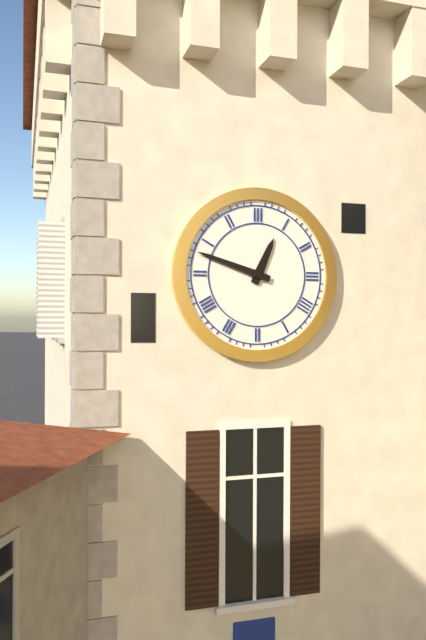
12:48
